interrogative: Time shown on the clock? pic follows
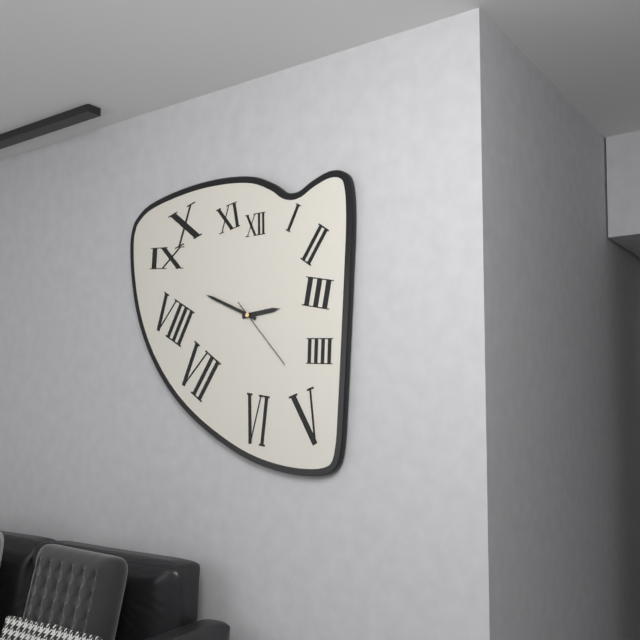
2:49:23
